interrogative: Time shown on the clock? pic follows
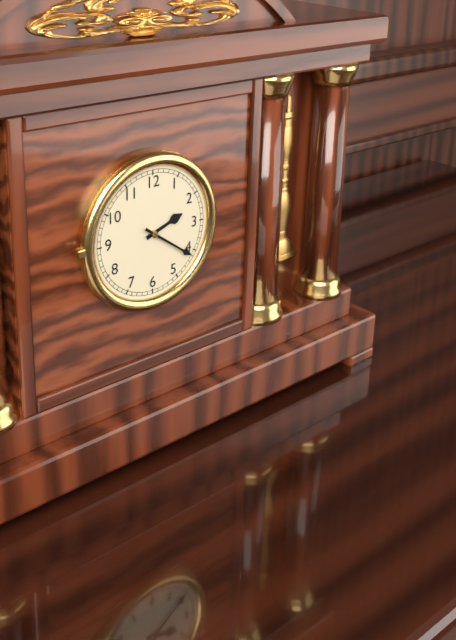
2:21
